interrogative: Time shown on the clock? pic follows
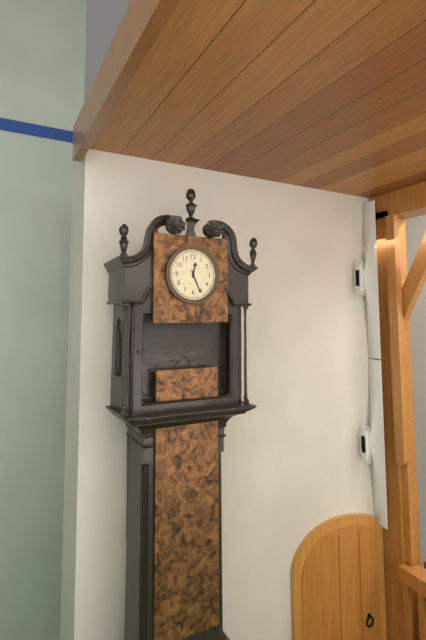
12:26
